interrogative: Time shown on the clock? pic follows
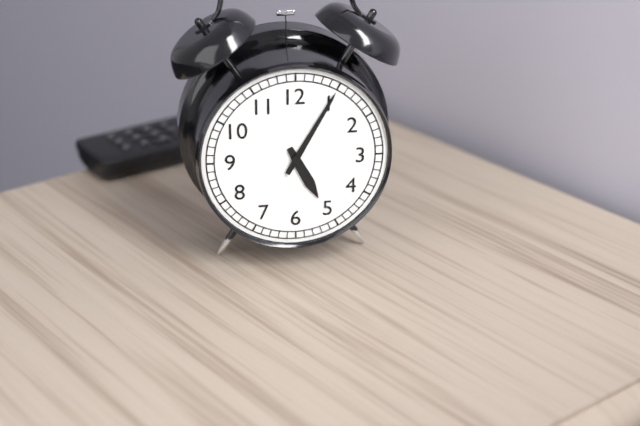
5:05
